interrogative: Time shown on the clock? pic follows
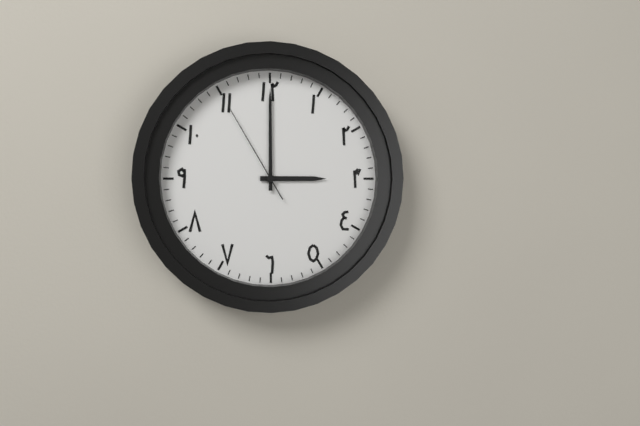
3:00:55
